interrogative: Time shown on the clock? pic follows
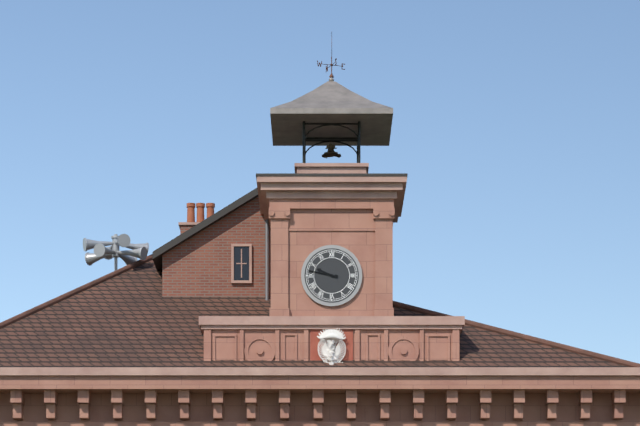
9:47
